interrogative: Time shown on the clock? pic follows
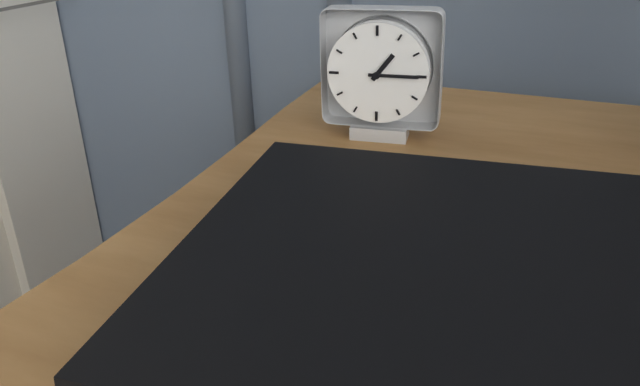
1:15
